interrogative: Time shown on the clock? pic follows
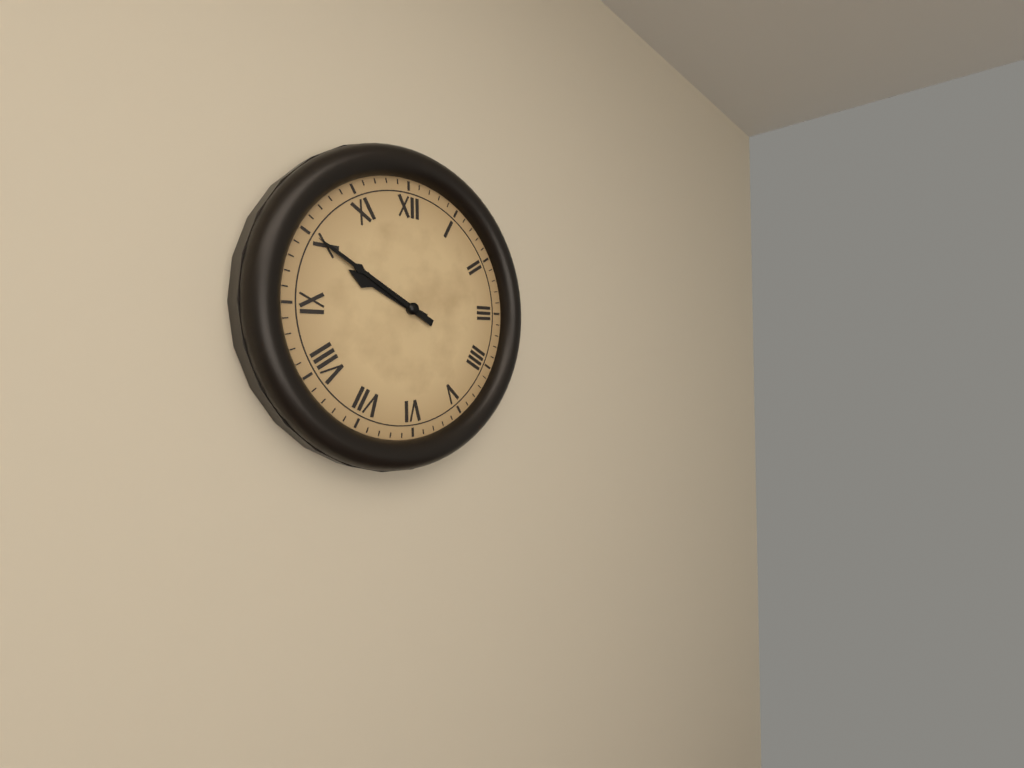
9:50
